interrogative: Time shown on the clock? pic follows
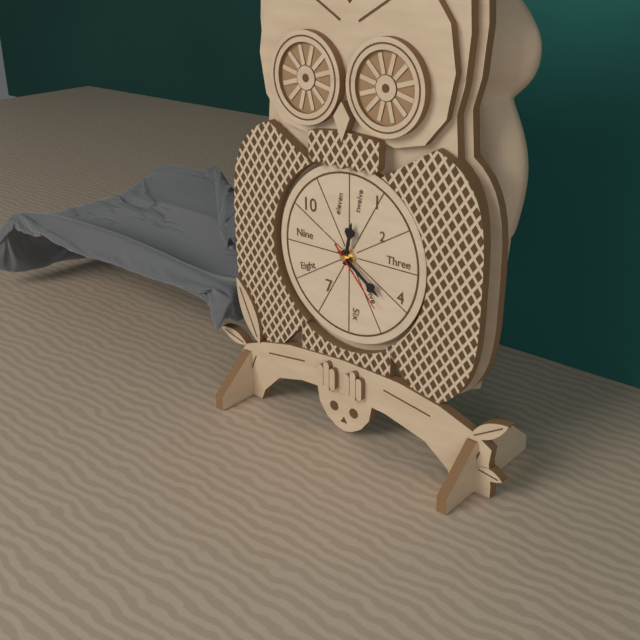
12:21:23
